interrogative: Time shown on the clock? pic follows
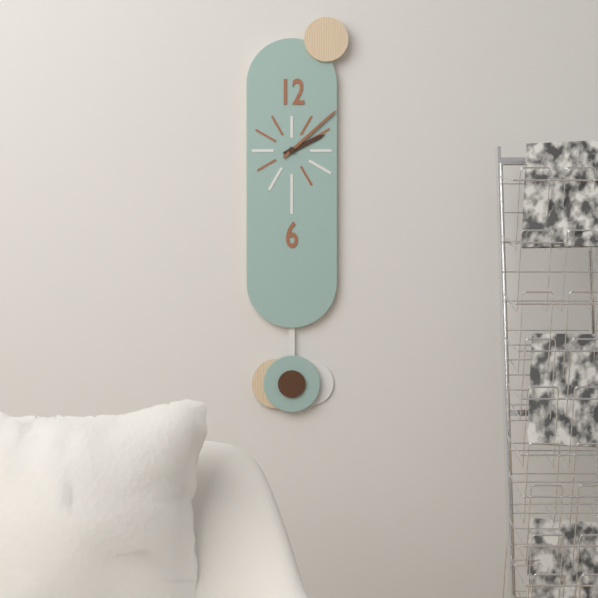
2:08
